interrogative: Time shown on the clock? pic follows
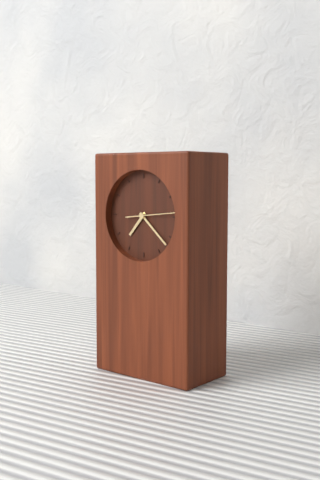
7:22
